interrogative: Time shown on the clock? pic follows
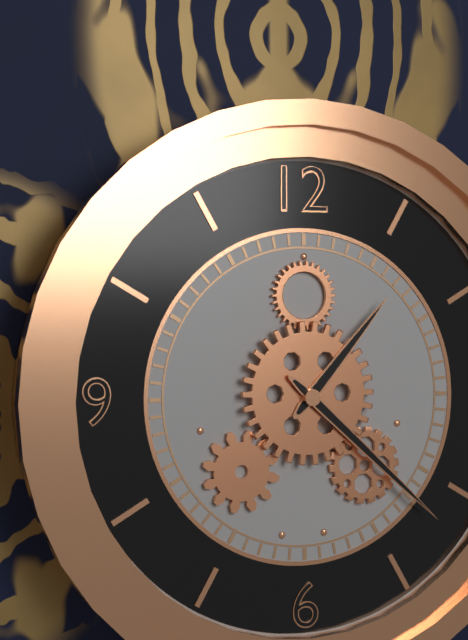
1:22
